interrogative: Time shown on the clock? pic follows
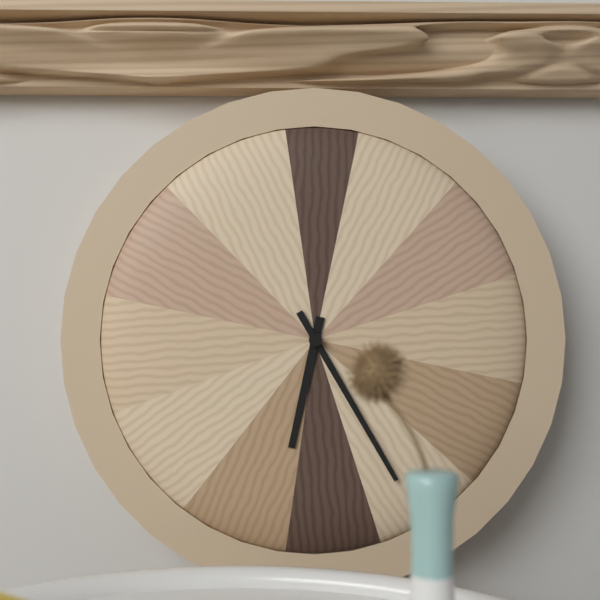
6:25
